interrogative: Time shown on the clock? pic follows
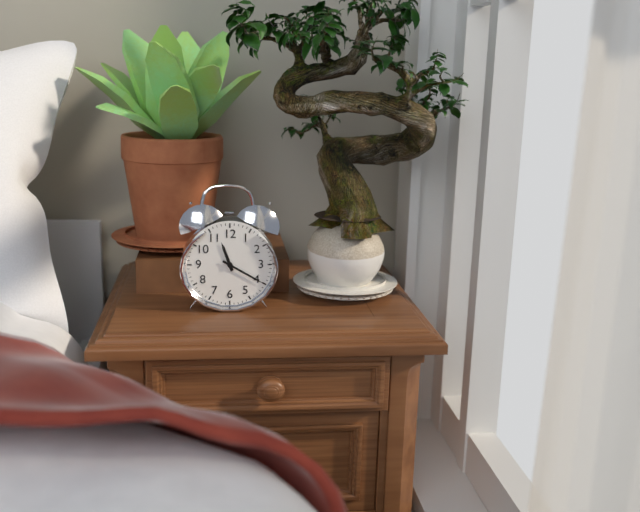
11:20
